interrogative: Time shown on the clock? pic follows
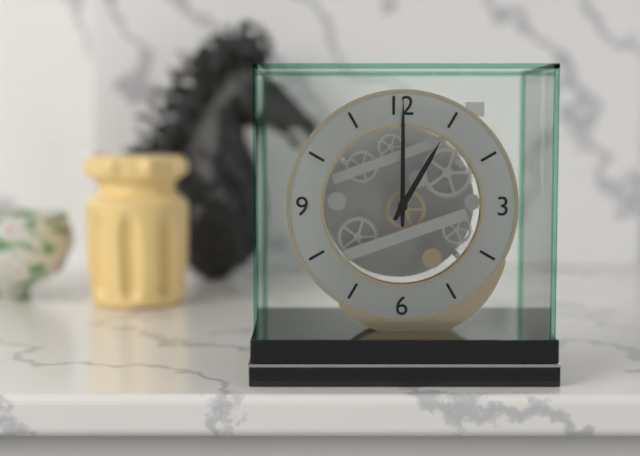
1:00
